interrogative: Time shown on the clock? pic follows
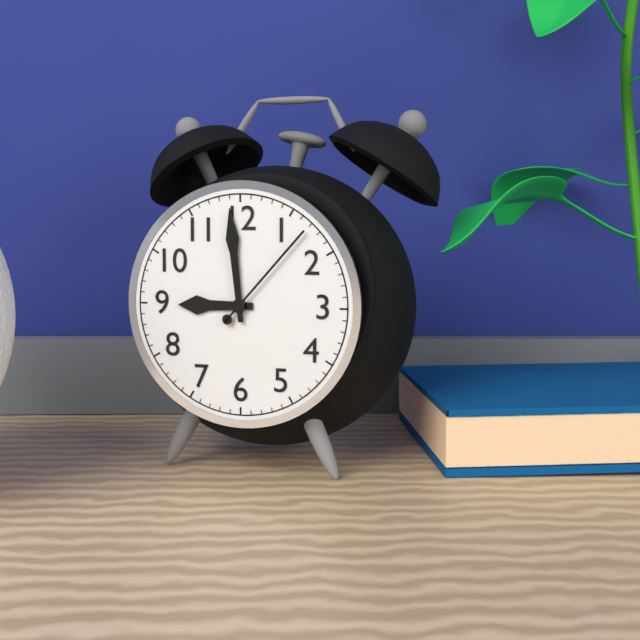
8:59:07
